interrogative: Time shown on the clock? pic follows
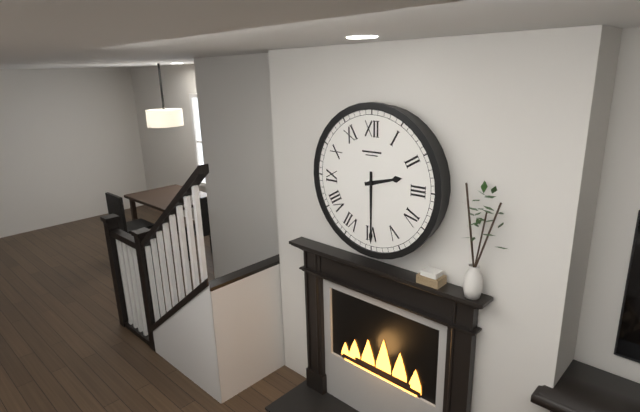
2:30
